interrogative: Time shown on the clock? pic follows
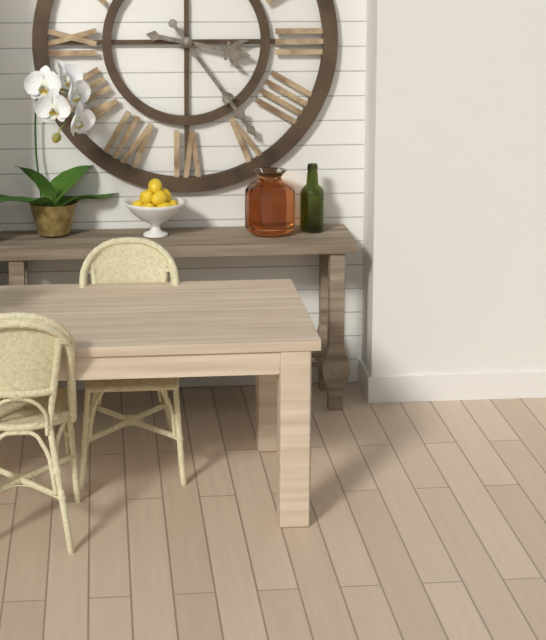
3:24
